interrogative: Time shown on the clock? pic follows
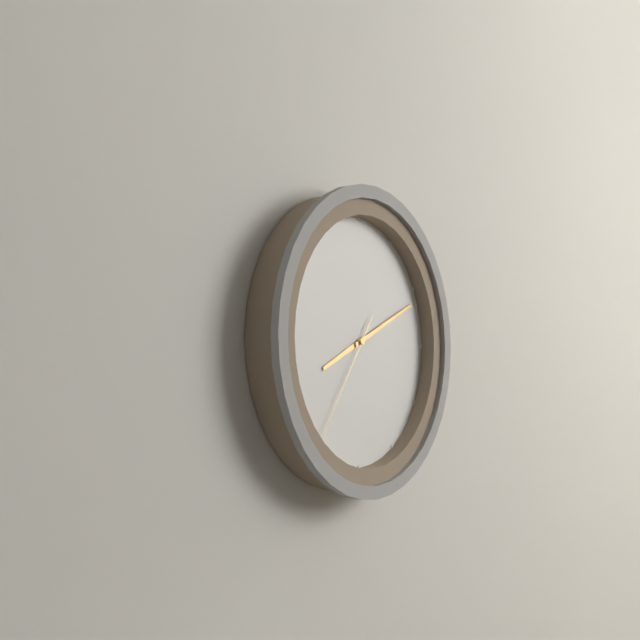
8:11:36
